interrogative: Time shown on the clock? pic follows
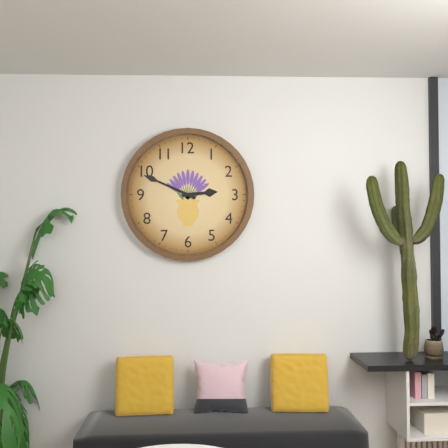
2:49
